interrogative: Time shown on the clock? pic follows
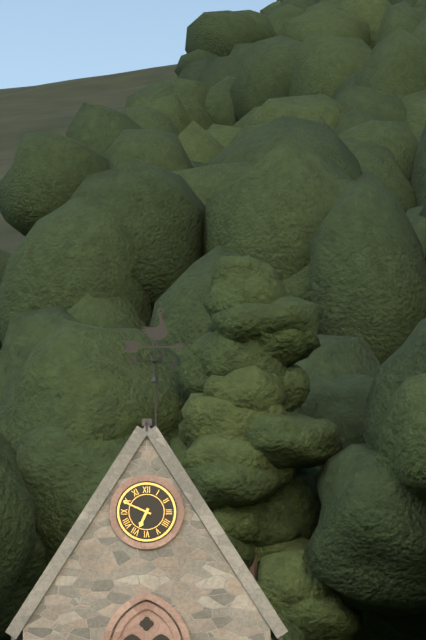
6:49
